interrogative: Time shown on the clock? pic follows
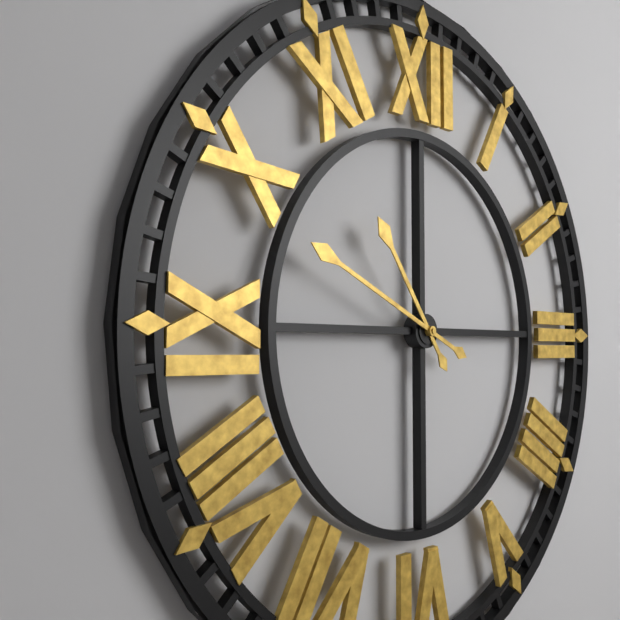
10:49
